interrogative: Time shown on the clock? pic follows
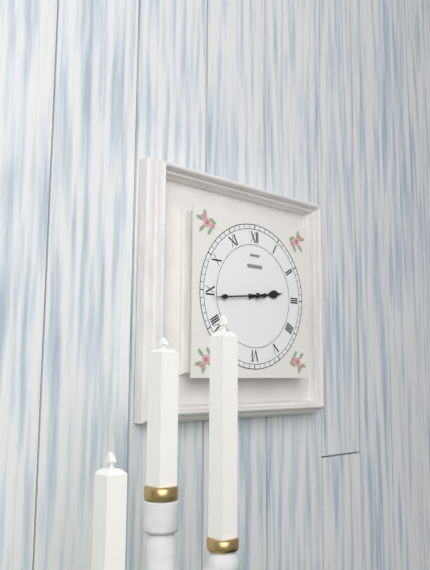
2:44
